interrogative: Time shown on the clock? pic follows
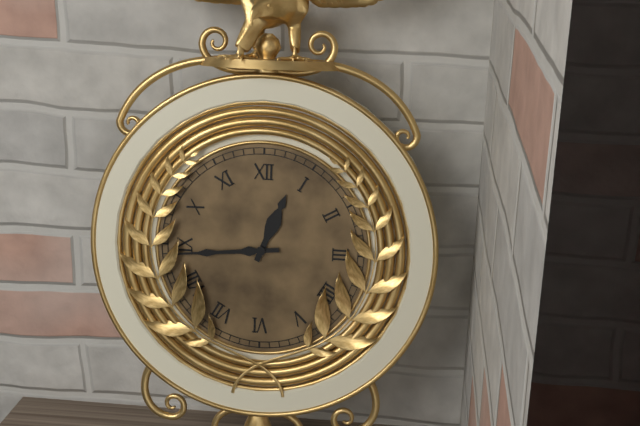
12:44
